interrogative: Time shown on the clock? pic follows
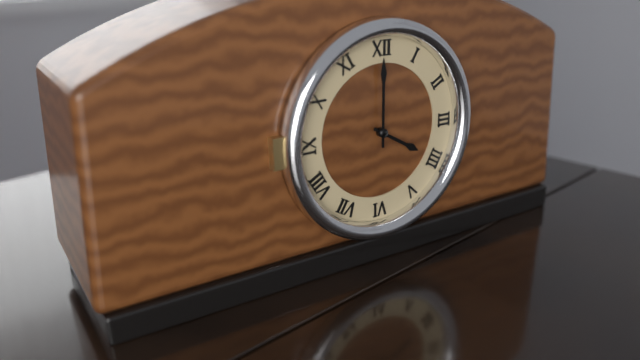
4:00
